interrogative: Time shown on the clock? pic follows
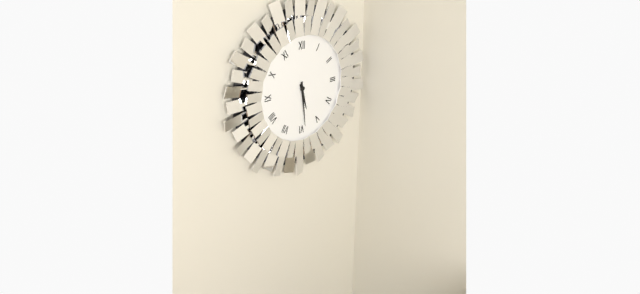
5:29
